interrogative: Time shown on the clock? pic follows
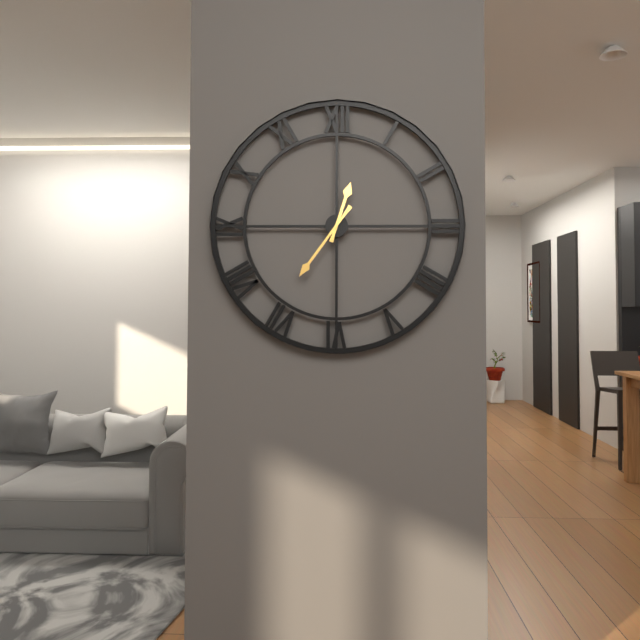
12:36
